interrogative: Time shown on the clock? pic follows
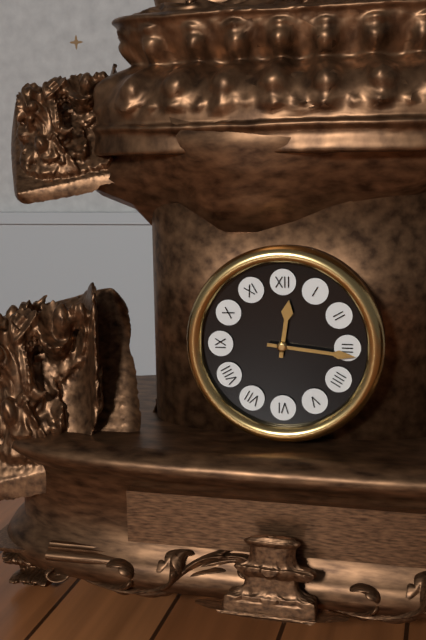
12:16
